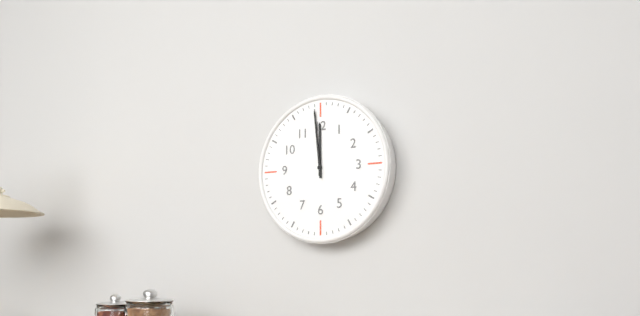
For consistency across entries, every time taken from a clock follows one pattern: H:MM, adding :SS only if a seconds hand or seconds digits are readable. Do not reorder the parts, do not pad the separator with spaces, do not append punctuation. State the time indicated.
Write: 11:59
